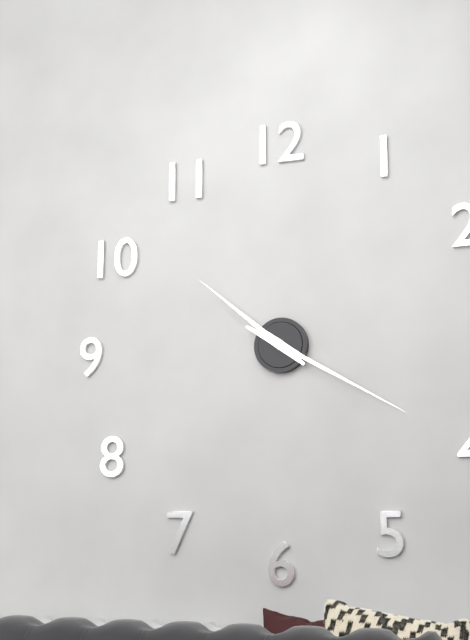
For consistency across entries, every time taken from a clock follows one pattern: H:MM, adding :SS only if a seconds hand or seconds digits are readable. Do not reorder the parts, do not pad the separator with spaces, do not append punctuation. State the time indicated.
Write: 10:20
